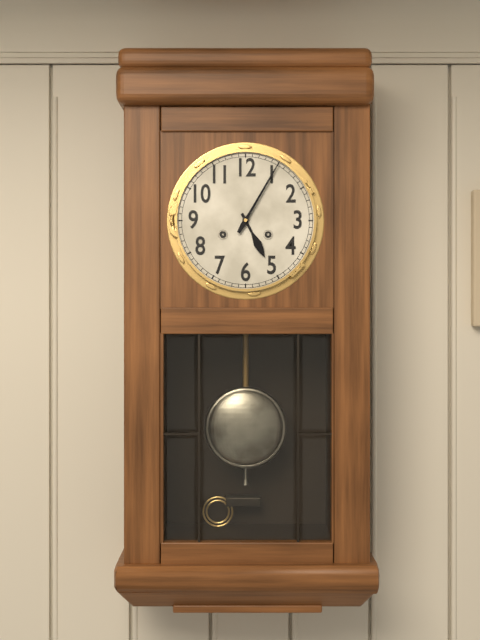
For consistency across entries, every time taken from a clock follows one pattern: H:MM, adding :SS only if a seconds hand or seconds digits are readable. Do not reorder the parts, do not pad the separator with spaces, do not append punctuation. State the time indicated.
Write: 5:05
